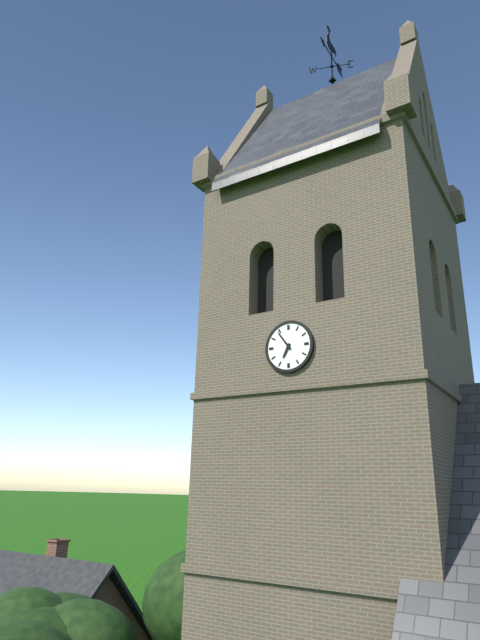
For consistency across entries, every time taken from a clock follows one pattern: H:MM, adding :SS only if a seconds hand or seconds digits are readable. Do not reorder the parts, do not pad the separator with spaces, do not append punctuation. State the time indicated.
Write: 6:54
